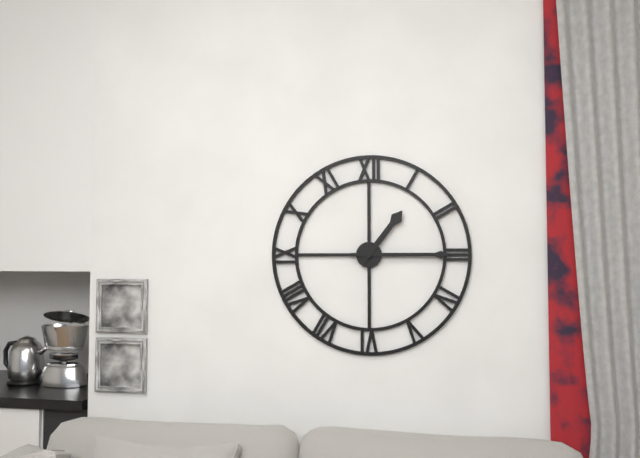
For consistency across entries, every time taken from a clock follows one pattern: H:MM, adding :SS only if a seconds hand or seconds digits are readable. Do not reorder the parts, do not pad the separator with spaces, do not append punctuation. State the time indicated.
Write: 1:15
